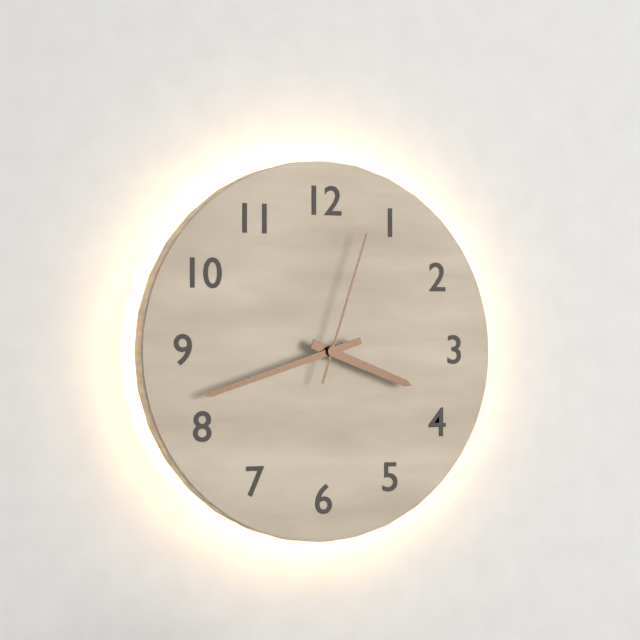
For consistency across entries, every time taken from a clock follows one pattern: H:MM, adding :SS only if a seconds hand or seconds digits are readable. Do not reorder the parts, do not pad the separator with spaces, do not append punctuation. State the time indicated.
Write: 3:42:03
